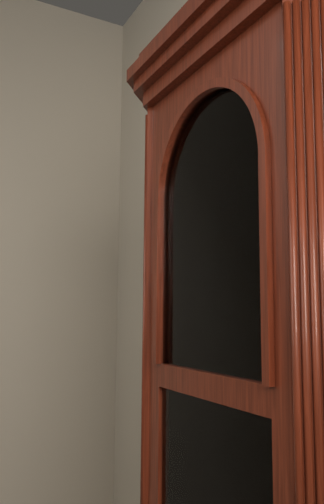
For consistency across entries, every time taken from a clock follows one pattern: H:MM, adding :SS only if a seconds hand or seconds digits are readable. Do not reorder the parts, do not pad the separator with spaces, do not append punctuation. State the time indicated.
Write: 8:52
